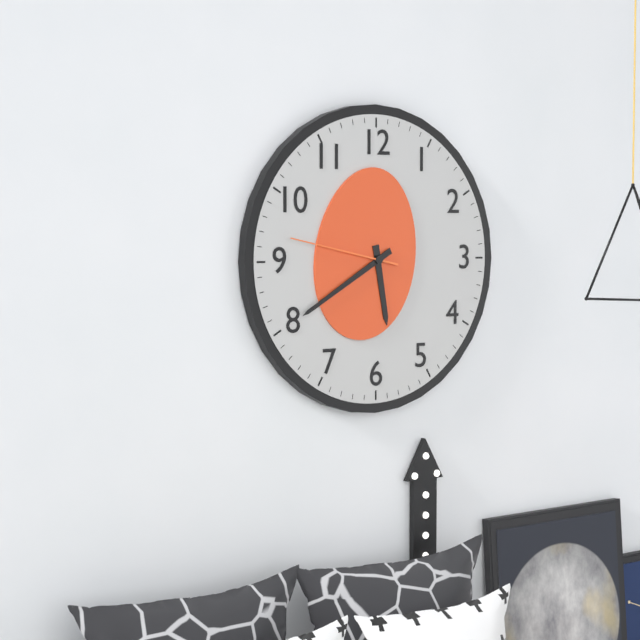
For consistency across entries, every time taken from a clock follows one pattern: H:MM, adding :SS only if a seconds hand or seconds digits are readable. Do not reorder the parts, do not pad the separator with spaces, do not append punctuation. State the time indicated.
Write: 5:40:47
